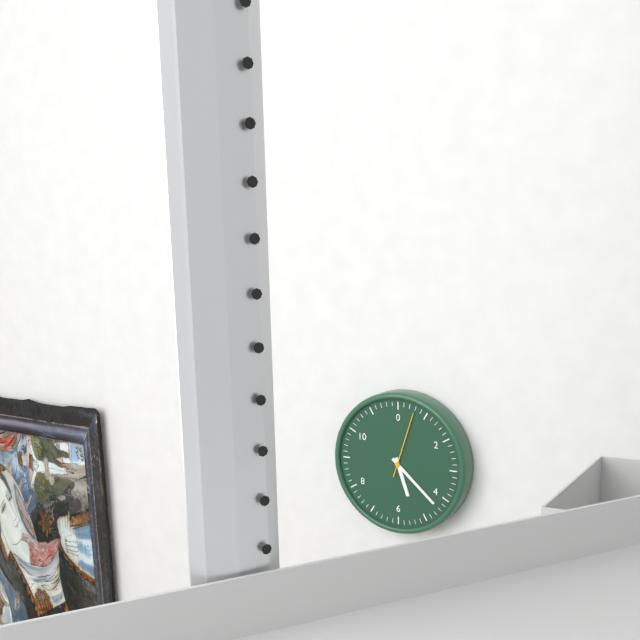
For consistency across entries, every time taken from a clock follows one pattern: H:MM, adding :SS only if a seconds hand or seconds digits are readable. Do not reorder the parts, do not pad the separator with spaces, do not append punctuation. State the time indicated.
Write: 5:22:03
